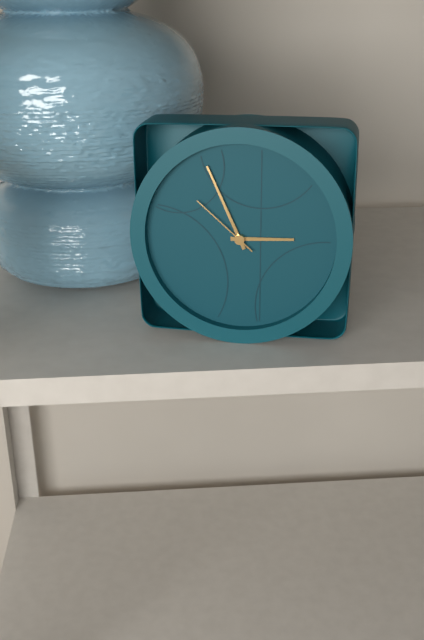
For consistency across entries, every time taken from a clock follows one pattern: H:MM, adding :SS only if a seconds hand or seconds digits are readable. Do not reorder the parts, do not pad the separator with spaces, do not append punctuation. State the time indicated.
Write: 2:56:52
